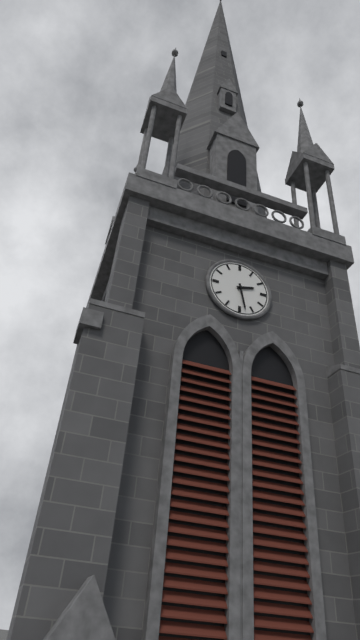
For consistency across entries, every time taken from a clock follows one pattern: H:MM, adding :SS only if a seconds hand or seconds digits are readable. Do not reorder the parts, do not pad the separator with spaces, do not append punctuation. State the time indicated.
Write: 2:28
